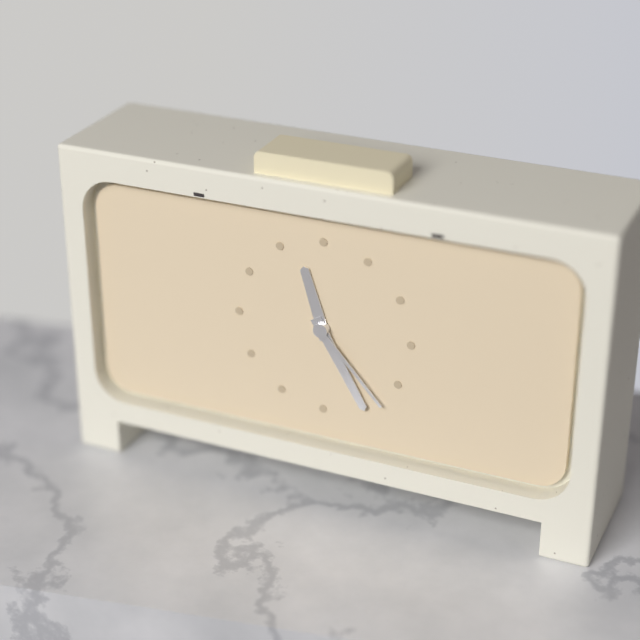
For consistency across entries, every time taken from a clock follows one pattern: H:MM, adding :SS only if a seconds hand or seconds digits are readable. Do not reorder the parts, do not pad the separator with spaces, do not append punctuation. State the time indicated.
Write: 11:25:23
